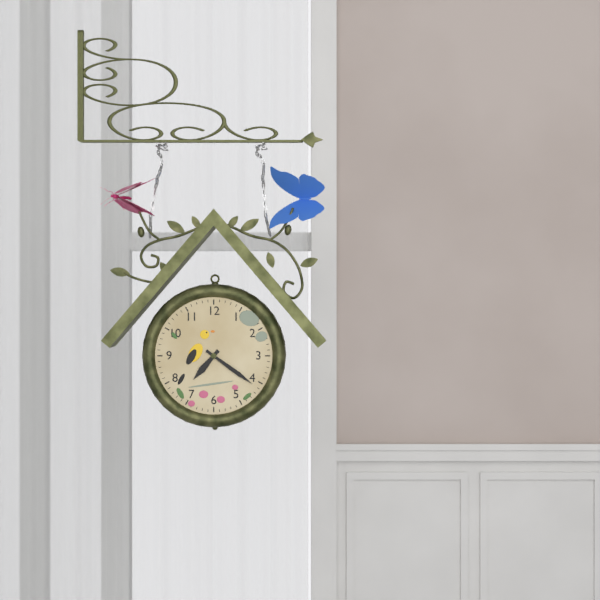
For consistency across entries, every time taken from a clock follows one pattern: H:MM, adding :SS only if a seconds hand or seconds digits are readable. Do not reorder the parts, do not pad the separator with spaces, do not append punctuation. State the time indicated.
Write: 7:21
